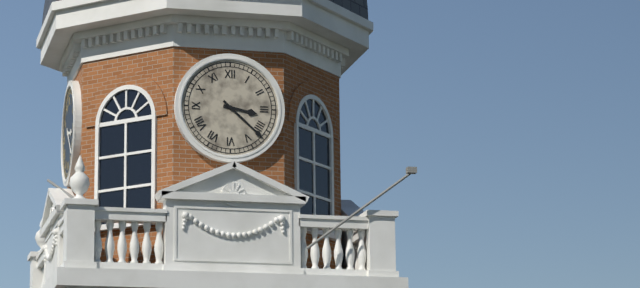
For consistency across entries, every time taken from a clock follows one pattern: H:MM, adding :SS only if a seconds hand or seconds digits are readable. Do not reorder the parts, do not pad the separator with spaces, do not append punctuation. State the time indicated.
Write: 3:22
